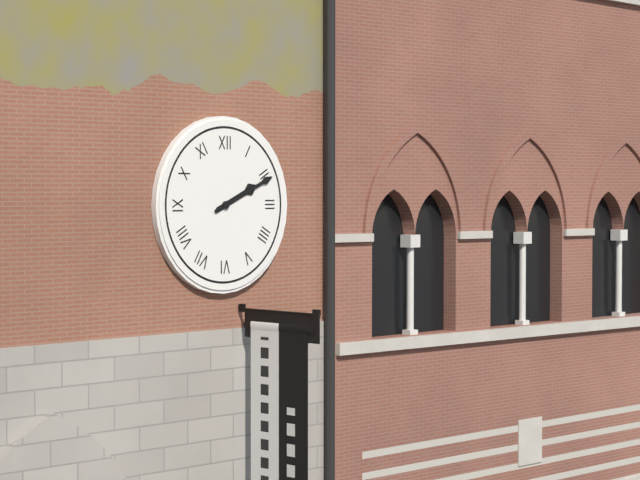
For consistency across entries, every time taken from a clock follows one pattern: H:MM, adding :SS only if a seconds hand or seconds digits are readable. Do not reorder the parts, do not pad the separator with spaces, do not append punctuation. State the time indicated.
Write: 2:11
